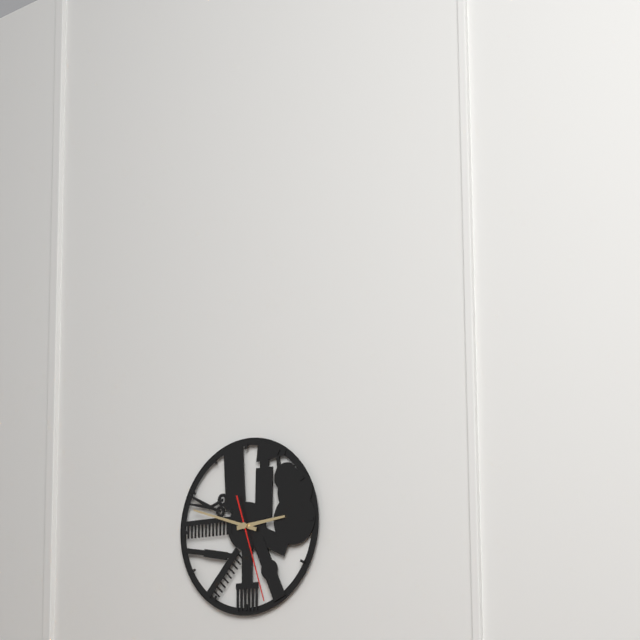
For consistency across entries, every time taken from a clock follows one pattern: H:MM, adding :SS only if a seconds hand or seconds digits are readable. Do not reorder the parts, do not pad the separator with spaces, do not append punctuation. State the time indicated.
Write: 2:48:27
